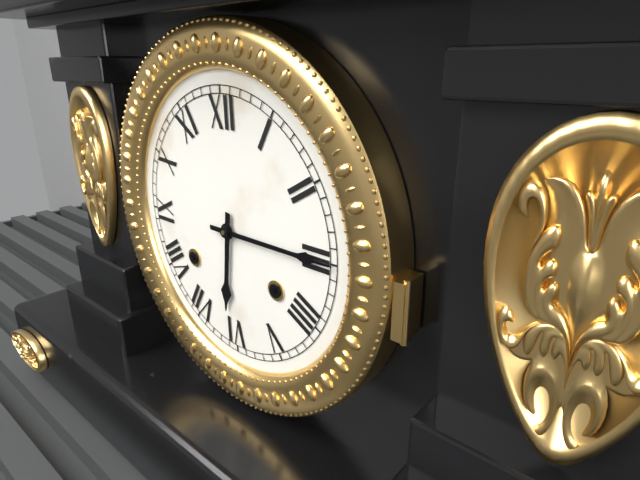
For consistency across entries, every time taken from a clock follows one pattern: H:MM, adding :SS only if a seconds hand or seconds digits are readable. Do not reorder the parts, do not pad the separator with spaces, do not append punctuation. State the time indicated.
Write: 6:15
